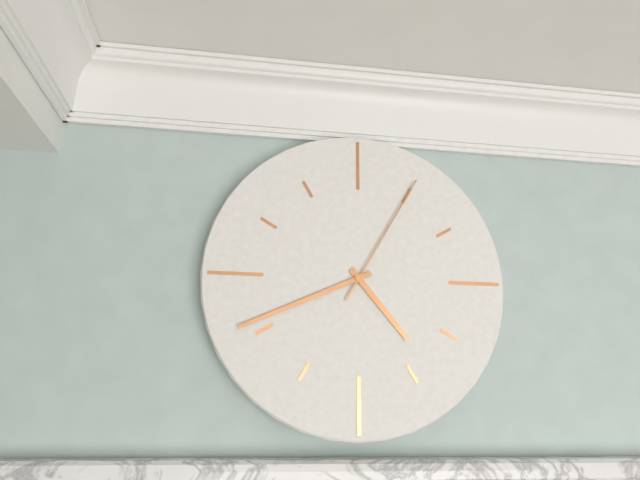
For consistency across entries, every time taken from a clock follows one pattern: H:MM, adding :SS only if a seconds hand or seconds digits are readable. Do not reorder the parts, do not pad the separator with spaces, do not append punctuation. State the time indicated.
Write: 4:41:05
